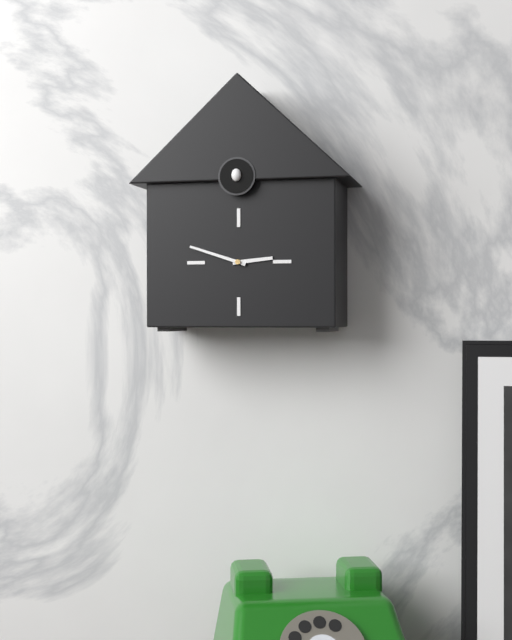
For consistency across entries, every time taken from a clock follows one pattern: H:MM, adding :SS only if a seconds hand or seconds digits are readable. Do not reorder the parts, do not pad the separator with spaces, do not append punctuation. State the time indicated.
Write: 2:48
